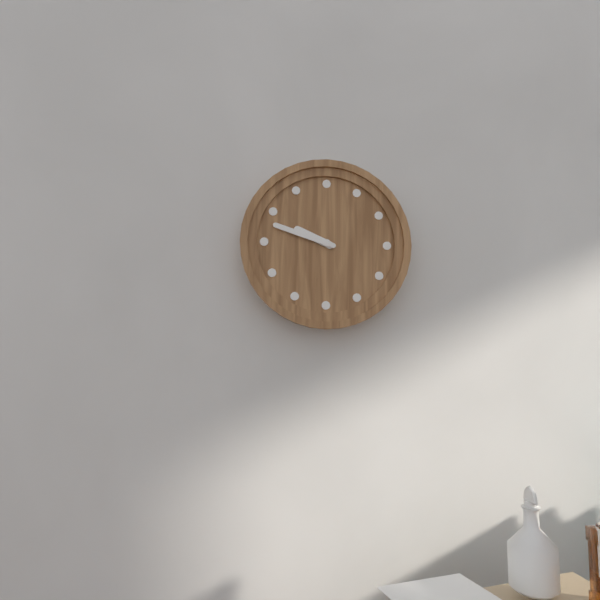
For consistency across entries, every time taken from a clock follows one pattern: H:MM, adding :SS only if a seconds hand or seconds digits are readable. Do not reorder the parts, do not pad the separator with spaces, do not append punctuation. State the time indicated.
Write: 9:48
